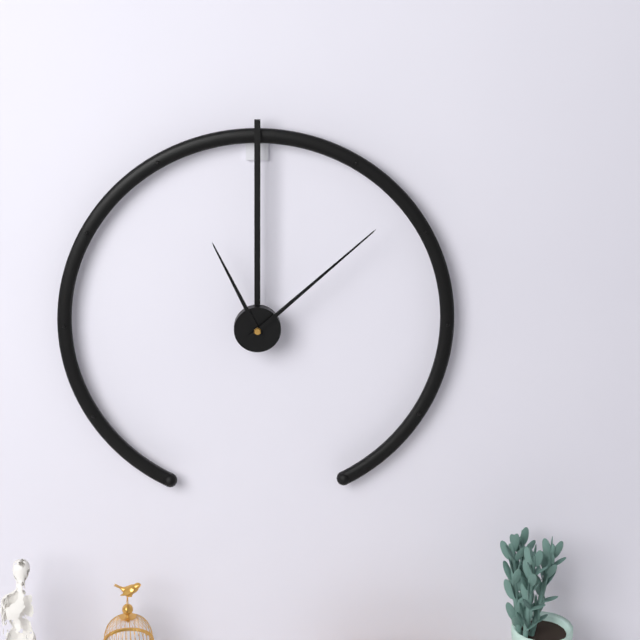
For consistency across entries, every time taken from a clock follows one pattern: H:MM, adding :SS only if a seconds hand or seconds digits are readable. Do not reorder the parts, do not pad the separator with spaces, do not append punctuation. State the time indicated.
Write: 11:08
